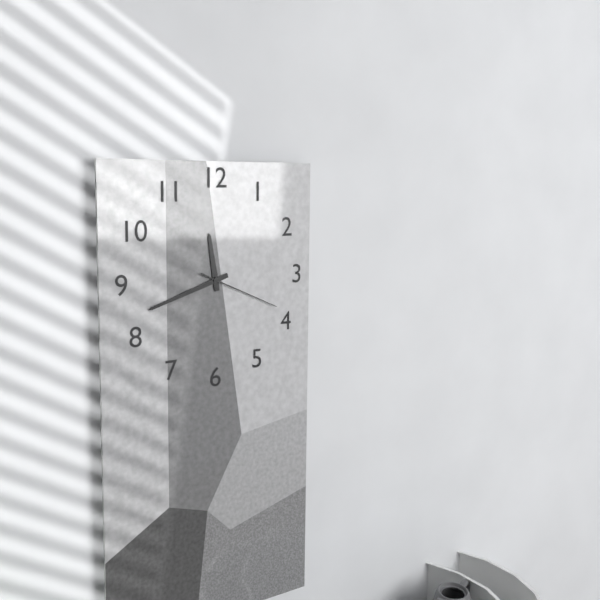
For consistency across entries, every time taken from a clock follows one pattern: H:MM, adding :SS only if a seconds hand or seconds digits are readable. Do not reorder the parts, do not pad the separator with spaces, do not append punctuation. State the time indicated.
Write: 11:42:19
